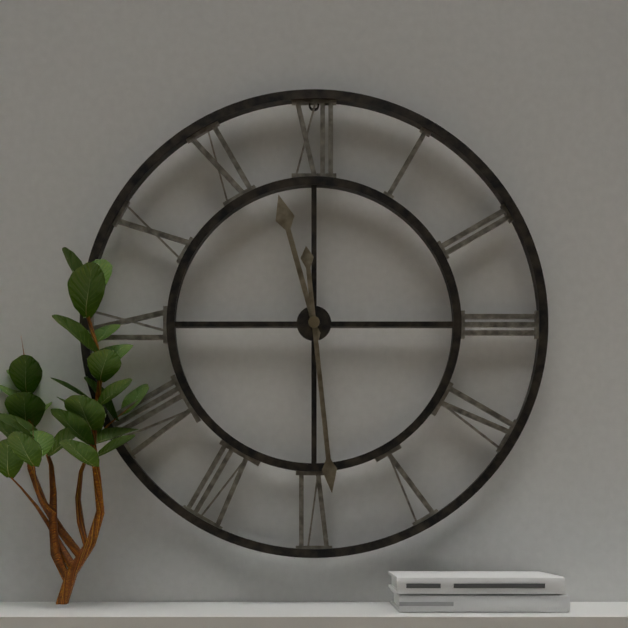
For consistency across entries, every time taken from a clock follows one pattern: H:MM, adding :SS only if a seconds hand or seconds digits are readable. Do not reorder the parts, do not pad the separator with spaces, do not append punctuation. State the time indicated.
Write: 11:29
